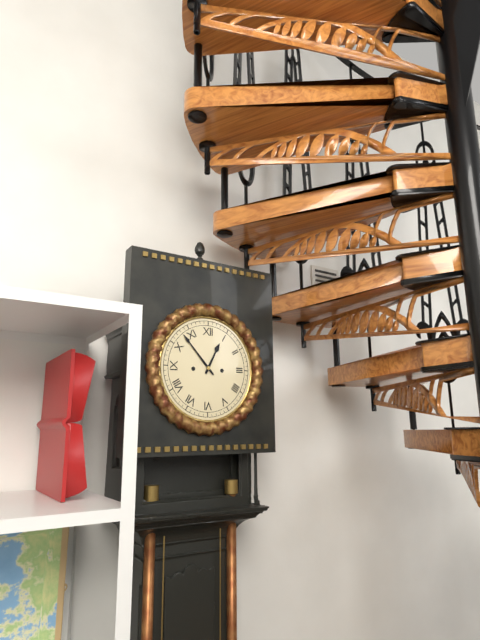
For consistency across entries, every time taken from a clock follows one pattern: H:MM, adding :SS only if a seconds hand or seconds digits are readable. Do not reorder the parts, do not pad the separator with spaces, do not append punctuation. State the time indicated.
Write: 12:53
